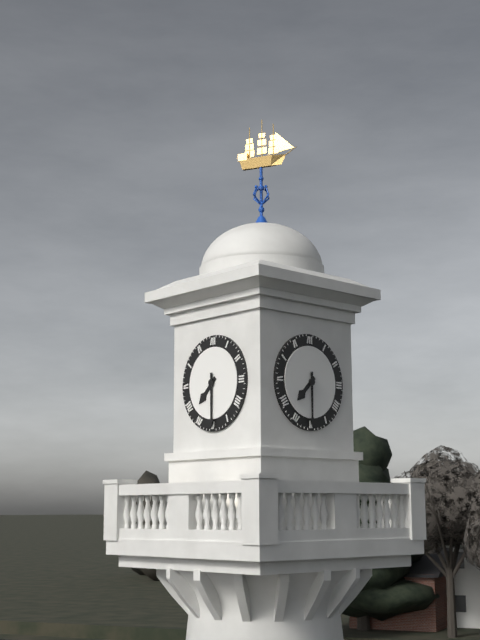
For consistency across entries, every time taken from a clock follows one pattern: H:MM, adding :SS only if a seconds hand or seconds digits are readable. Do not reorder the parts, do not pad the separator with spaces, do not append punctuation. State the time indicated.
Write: 7:30
